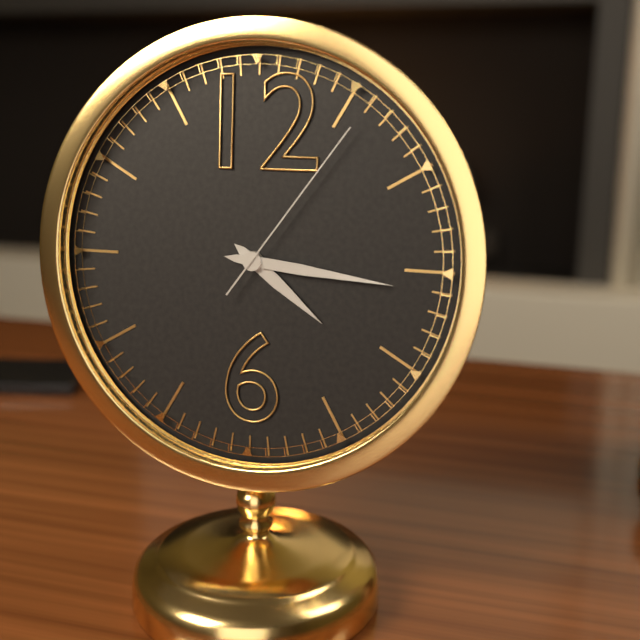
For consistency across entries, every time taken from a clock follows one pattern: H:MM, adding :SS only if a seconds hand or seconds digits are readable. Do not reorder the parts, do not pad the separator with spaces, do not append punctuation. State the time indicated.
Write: 4:16:06
